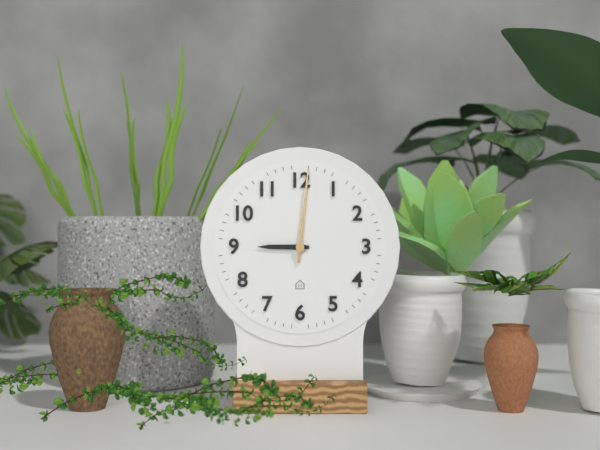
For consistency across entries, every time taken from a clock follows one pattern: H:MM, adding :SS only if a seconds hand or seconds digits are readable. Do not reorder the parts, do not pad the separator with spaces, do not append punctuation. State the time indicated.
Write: 9:01
